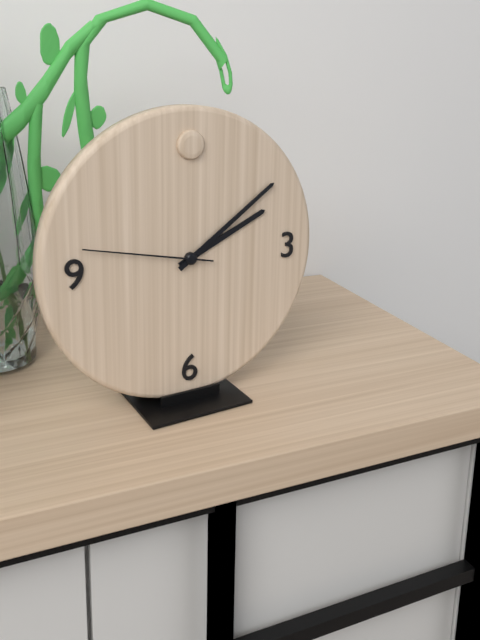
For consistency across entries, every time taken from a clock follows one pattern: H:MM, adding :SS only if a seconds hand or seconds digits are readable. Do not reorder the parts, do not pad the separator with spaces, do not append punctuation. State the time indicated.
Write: 2:09:47
